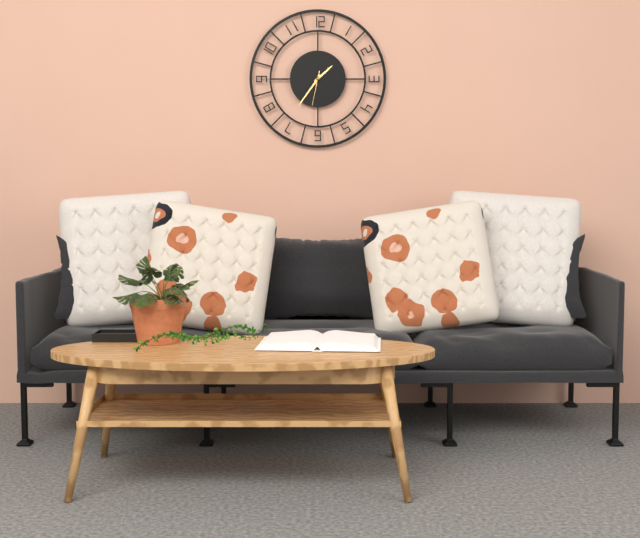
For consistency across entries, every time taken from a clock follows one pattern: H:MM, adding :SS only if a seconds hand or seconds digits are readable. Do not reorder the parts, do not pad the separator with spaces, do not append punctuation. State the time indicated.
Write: 1:36
